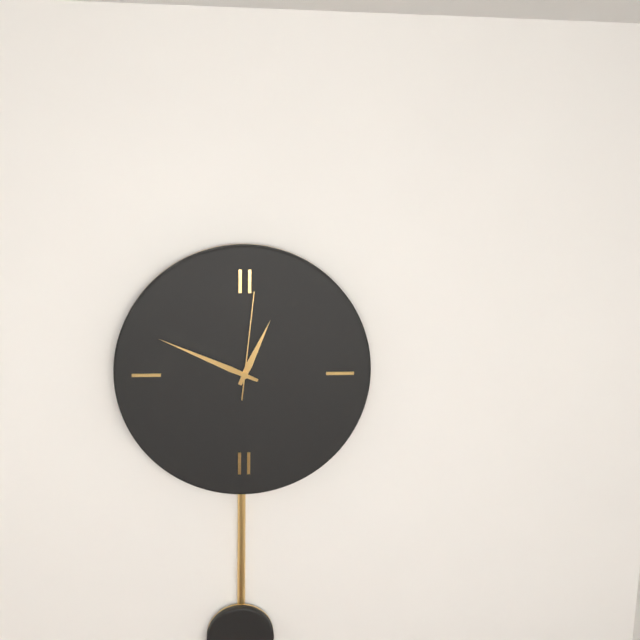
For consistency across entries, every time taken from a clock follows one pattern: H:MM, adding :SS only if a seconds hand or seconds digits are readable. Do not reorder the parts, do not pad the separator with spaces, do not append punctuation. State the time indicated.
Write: 12:49:01
